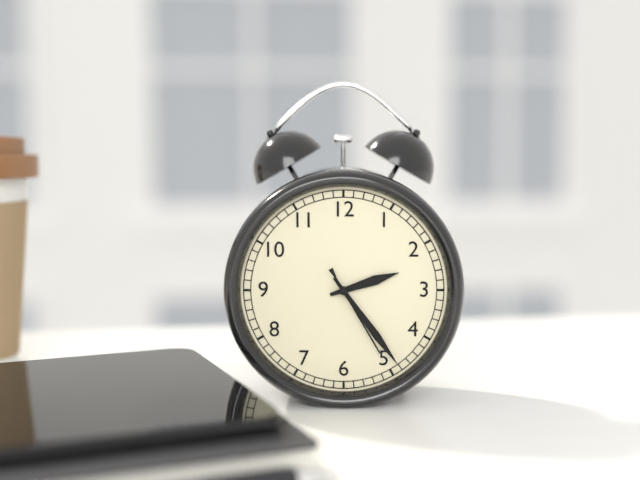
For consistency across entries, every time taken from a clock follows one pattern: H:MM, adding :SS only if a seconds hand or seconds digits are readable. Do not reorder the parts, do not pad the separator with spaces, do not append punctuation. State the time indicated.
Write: 2:24:25
